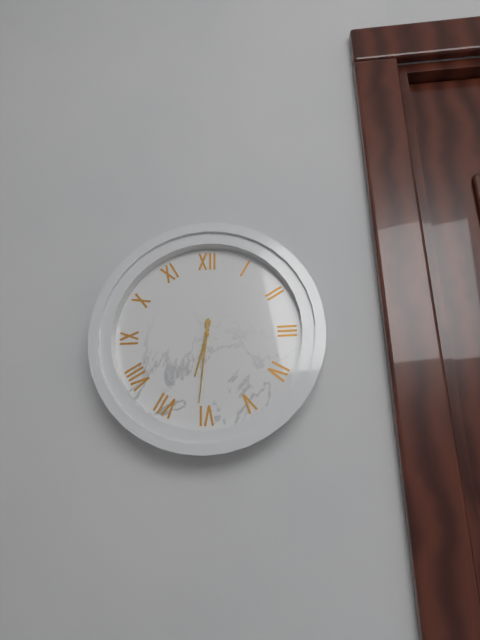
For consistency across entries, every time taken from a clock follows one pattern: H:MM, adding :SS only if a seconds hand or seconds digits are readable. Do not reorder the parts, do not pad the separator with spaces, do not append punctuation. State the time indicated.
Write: 6:31
